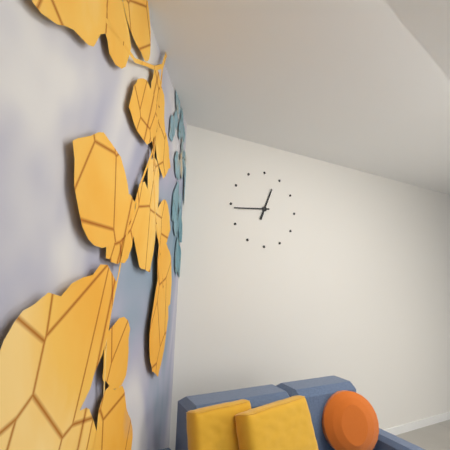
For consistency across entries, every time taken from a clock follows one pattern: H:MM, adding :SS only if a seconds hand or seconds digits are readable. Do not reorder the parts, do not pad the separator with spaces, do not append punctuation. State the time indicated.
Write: 12:44
